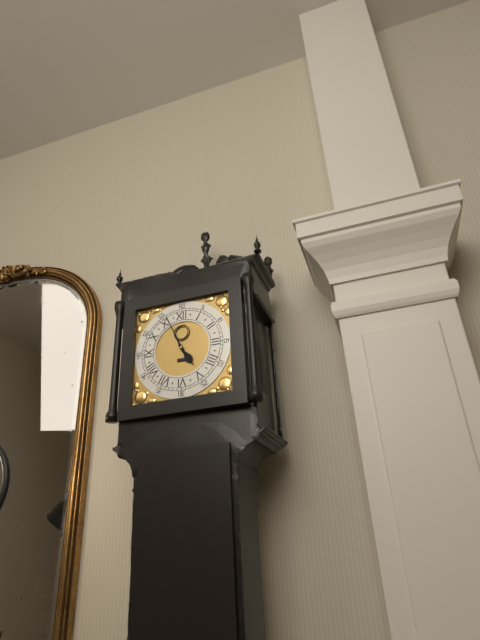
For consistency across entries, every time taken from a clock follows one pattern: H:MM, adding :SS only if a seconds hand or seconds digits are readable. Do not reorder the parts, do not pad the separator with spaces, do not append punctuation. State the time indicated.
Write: 4:56
